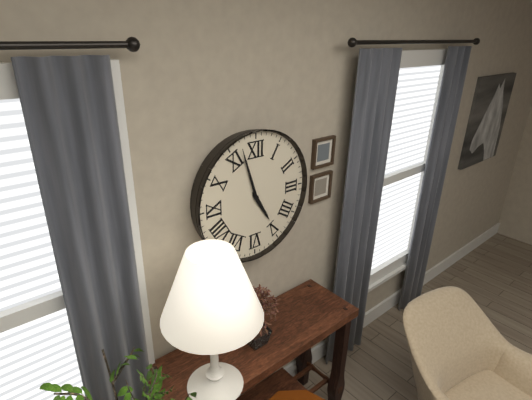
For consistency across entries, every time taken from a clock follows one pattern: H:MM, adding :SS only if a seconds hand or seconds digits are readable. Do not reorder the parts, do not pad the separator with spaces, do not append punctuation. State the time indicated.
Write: 4:57
